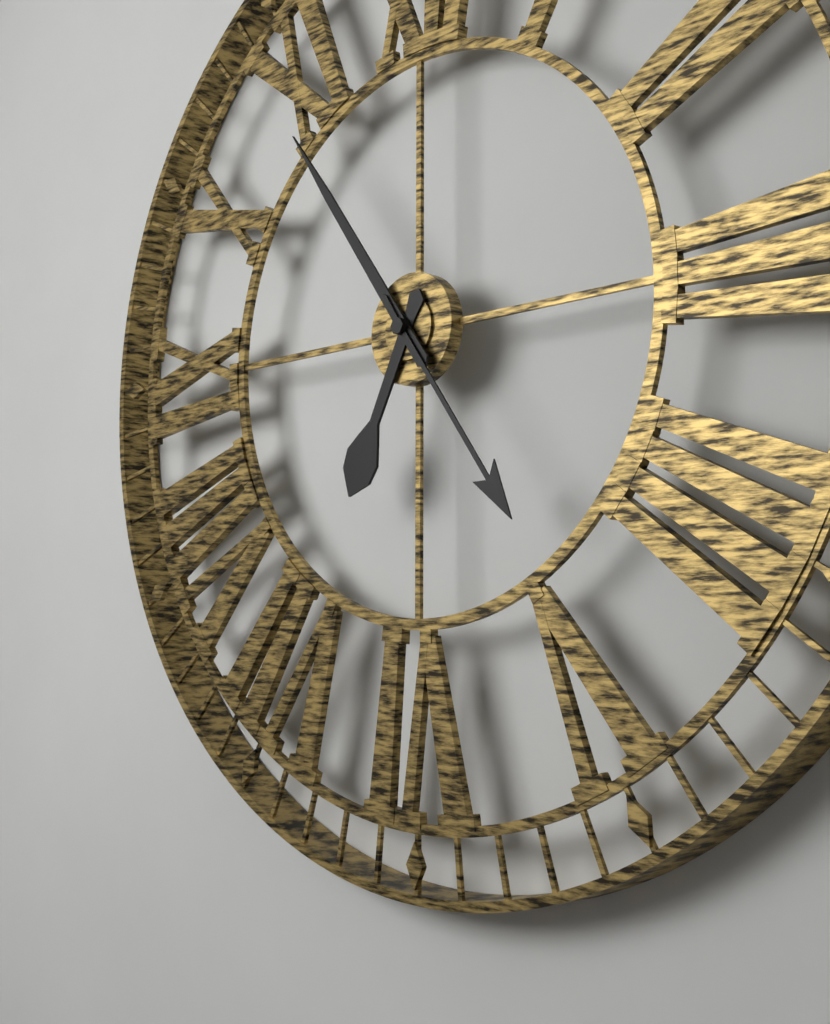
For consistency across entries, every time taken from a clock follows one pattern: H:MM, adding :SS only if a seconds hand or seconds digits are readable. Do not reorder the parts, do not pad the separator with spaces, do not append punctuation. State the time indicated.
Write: 6:54:24
